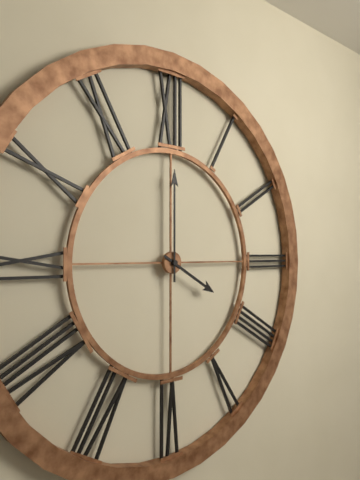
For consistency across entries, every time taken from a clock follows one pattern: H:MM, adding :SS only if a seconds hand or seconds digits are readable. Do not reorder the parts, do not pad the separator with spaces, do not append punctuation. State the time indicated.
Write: 4:00
